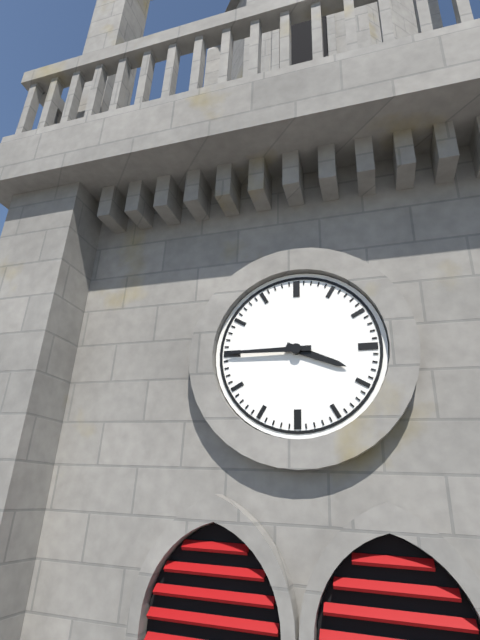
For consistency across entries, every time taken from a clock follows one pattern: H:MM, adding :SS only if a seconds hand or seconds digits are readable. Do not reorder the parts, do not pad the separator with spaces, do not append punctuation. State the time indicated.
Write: 3:45
